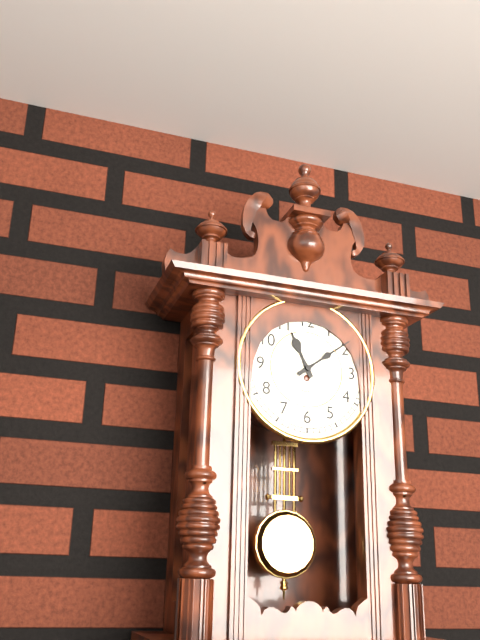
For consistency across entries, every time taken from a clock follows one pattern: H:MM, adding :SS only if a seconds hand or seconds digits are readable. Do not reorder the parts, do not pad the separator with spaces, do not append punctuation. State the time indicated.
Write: 11:09
